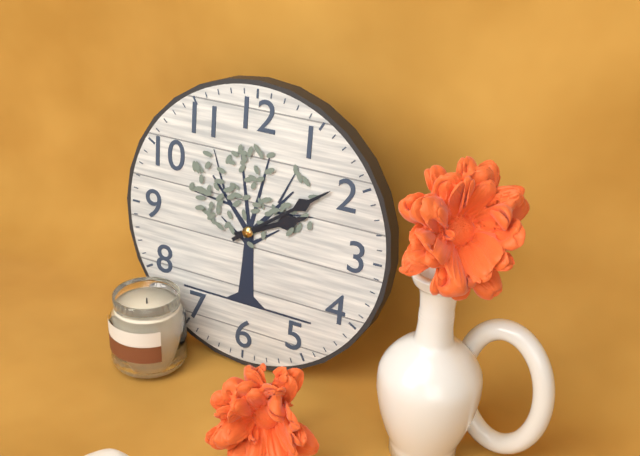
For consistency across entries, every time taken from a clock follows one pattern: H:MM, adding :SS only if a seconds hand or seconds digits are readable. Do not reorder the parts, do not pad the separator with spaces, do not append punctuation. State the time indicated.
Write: 2:09
